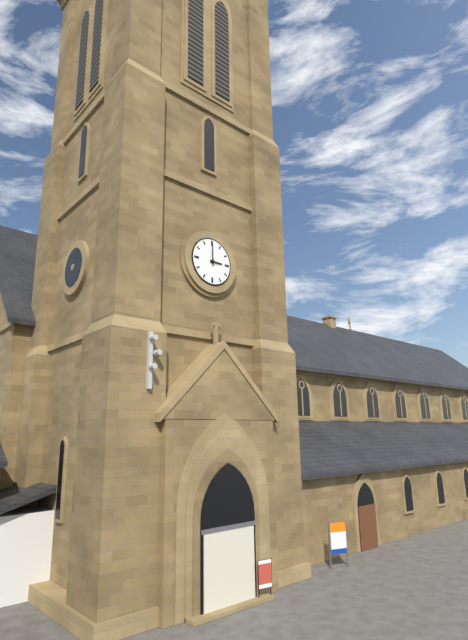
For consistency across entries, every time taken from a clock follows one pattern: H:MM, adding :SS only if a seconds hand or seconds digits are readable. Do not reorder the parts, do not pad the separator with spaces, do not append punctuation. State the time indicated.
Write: 3:00
